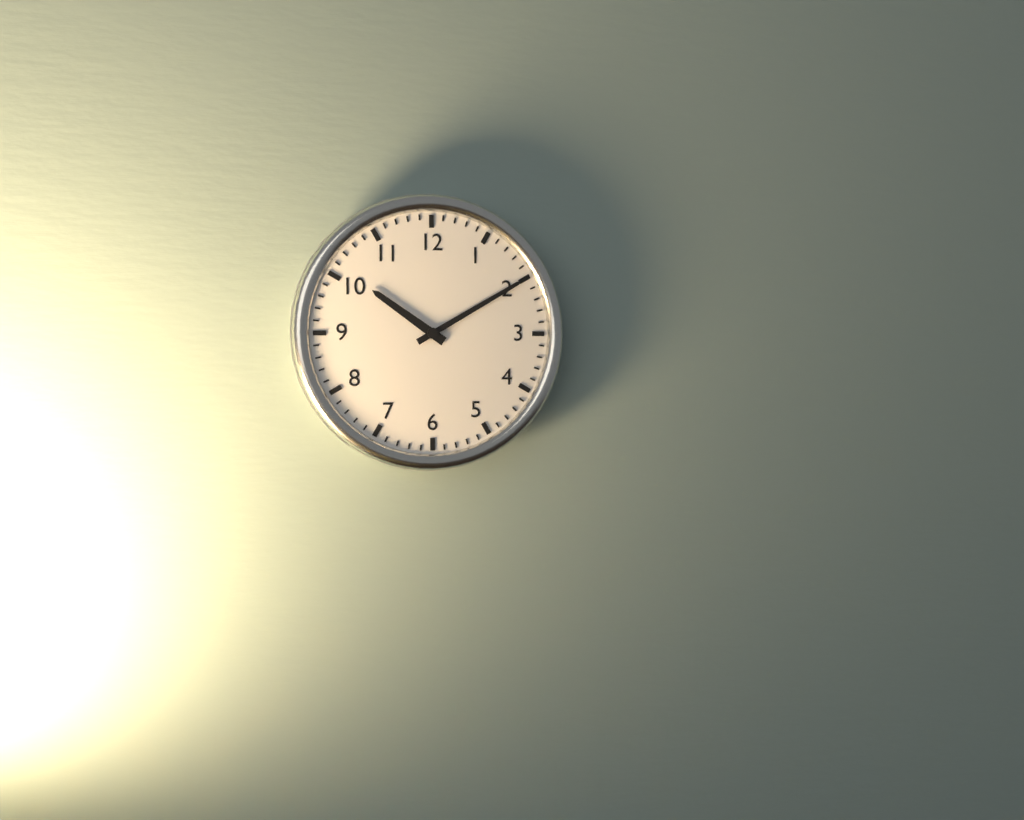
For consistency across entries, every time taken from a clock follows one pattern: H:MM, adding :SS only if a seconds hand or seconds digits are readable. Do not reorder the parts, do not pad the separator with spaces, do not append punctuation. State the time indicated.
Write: 10:10
